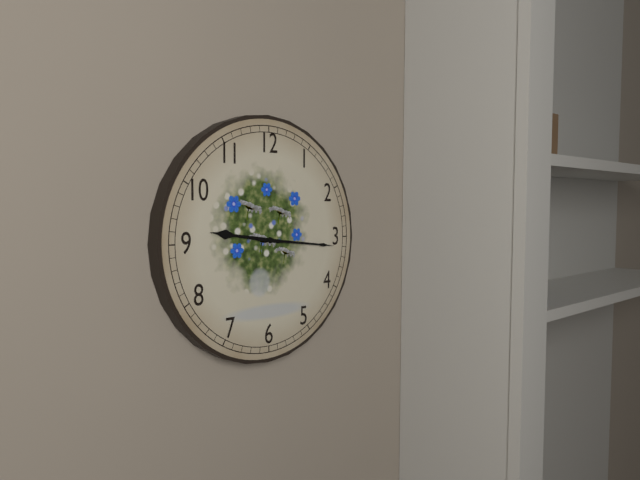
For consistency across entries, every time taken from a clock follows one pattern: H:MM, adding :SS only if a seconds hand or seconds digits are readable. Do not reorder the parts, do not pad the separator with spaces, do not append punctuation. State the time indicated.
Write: 9:16
